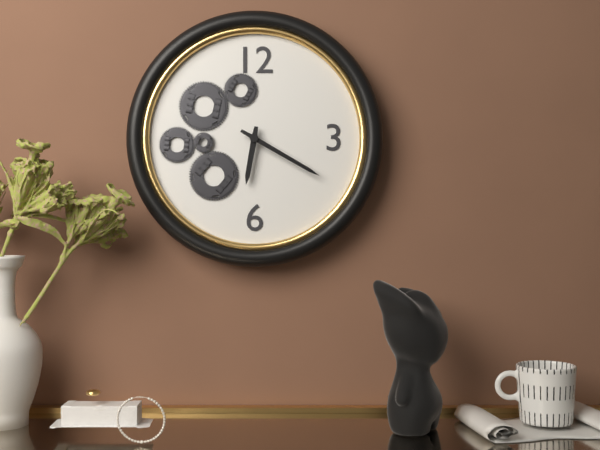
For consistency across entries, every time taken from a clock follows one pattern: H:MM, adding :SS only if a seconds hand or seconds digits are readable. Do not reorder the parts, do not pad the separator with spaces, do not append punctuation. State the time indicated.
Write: 6:20
